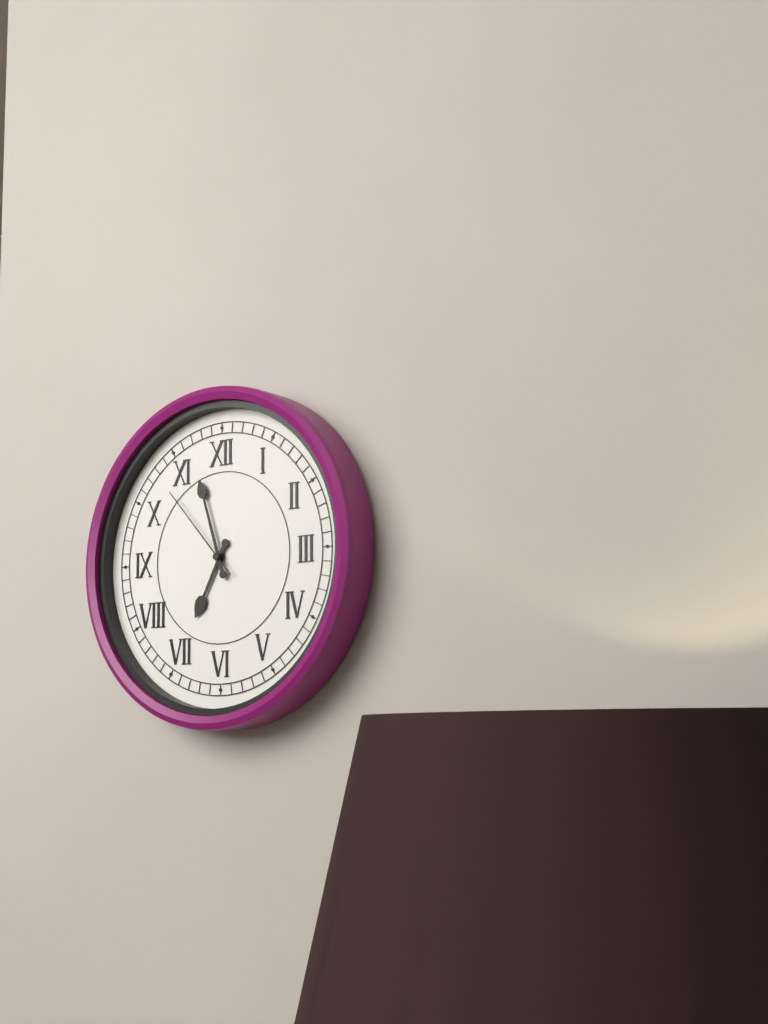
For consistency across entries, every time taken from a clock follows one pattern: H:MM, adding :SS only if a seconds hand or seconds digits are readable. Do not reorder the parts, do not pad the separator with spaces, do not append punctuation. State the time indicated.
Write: 6:57:53
